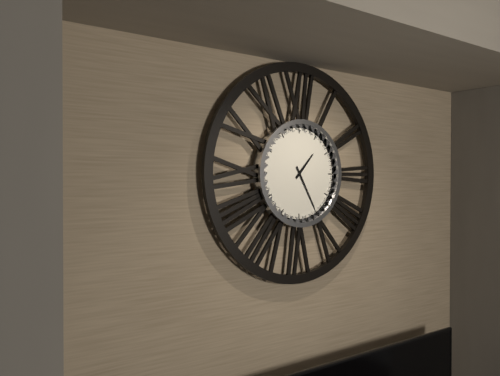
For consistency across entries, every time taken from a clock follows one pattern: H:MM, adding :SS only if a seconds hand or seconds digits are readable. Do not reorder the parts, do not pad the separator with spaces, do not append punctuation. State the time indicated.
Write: 1:25
